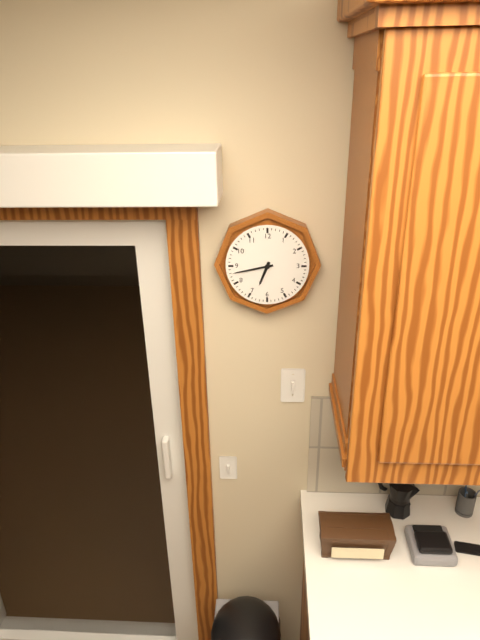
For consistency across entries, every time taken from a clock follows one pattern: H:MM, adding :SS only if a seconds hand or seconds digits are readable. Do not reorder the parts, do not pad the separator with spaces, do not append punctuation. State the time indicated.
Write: 6:43
